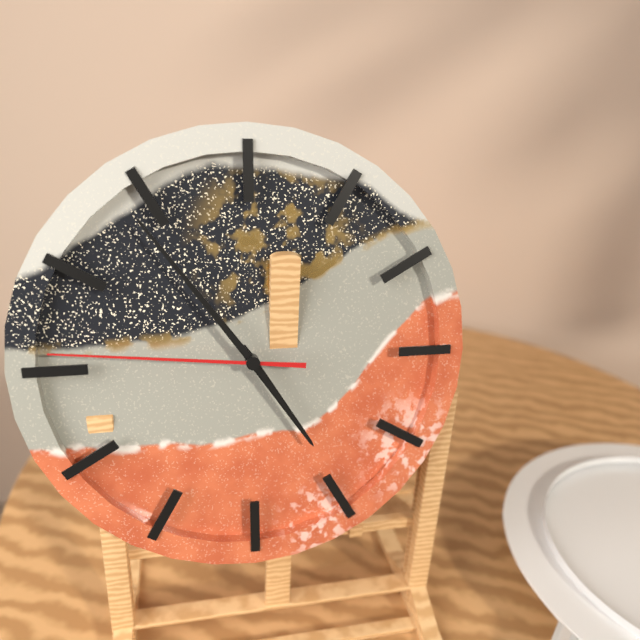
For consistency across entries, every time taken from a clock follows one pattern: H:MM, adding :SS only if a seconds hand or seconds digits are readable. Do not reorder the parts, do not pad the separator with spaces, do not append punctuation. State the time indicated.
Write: 4:54:46
